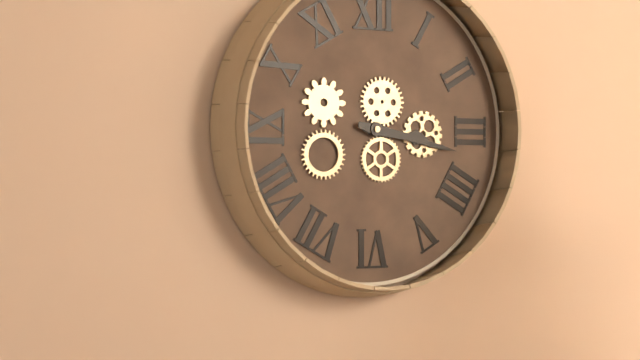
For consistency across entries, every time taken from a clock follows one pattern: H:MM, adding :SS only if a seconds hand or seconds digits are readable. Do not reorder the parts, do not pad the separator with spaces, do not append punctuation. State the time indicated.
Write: 3:17
